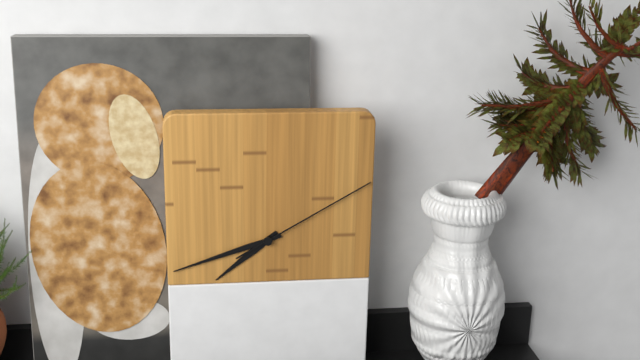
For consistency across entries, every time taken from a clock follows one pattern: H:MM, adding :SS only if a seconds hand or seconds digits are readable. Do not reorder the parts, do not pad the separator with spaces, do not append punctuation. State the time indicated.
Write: 7:42:10
